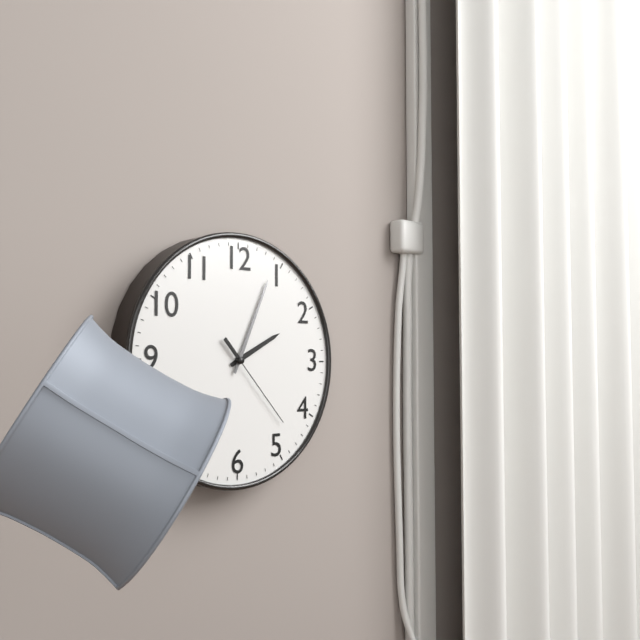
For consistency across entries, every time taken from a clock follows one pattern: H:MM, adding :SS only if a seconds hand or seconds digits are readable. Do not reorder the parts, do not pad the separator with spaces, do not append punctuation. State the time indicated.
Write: 2:04:23
